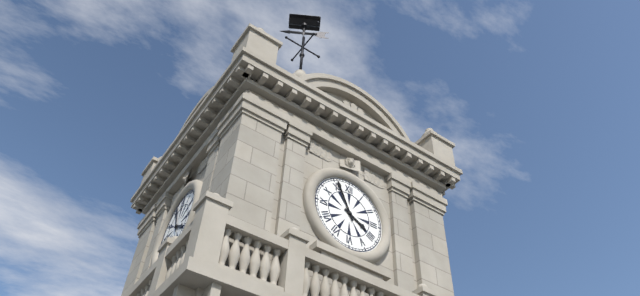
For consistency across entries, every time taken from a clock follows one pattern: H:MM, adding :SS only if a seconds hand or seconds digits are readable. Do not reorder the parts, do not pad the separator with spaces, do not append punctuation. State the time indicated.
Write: 3:56
